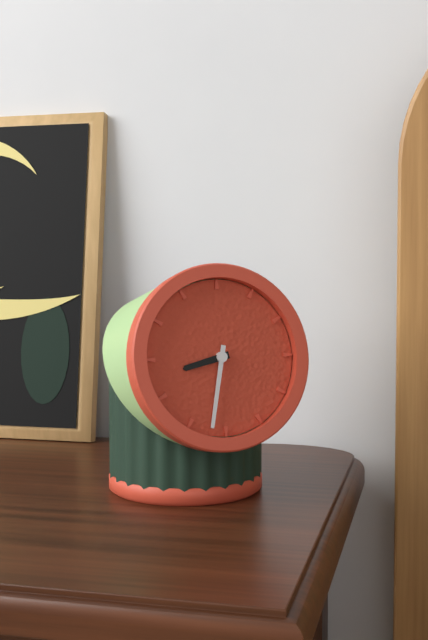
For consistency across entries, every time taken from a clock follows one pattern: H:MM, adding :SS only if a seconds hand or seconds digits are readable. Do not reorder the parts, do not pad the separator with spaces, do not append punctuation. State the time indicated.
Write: 8:32
